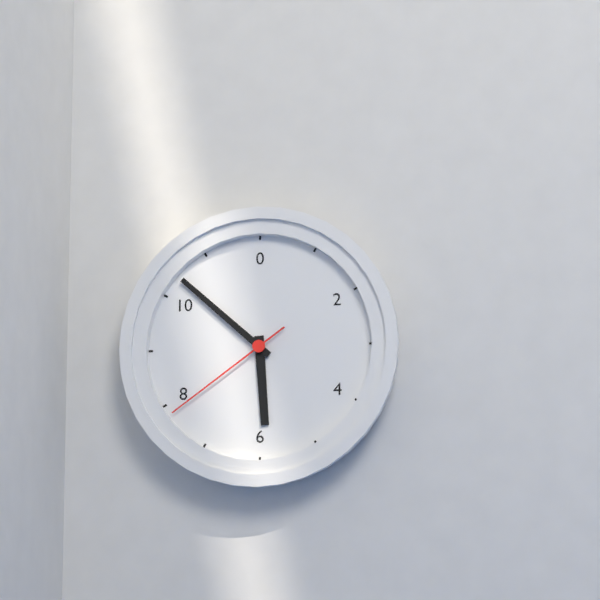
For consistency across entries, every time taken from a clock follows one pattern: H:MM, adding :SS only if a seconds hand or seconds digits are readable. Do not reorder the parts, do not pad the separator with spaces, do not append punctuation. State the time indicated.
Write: 5:52:39
